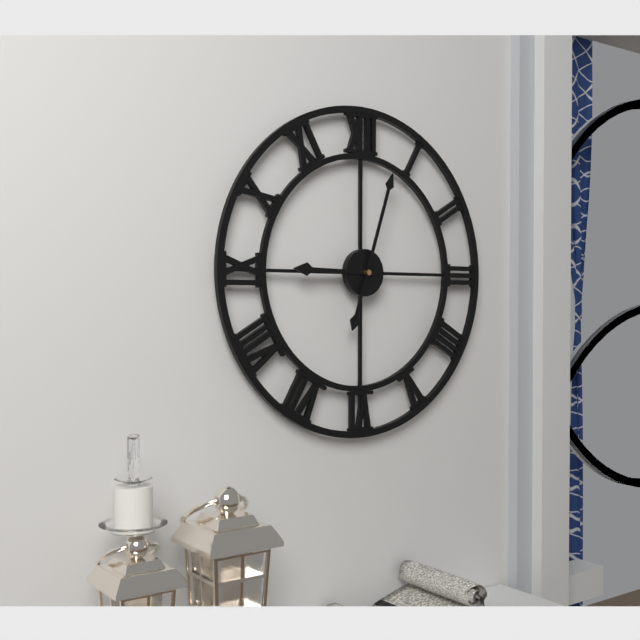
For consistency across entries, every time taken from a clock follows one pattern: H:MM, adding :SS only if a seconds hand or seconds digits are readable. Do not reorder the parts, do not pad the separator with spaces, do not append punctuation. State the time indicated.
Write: 9:03
